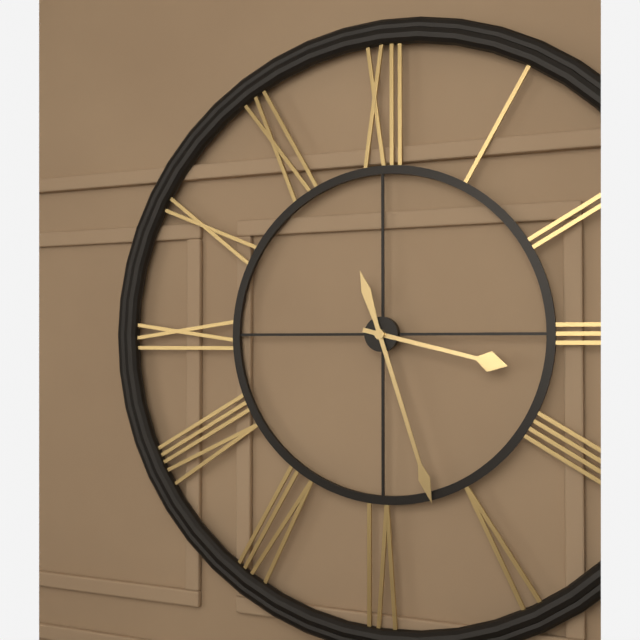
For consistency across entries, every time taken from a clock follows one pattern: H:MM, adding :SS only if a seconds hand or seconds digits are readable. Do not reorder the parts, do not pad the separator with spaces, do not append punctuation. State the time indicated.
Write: 3:27
